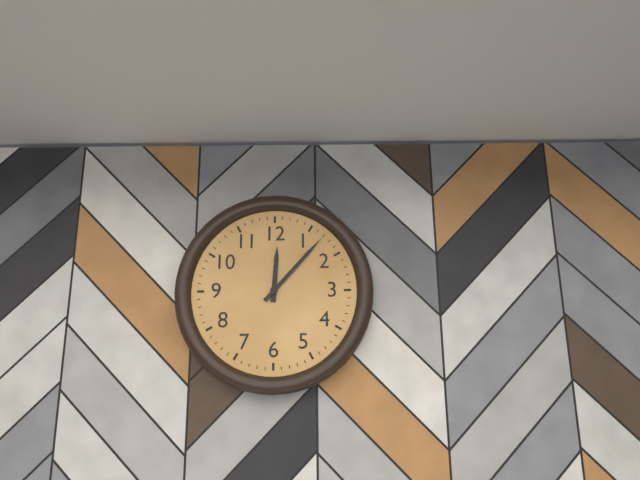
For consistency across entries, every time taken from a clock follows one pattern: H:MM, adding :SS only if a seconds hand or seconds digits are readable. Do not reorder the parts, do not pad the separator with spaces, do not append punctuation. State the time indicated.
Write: 12:07
